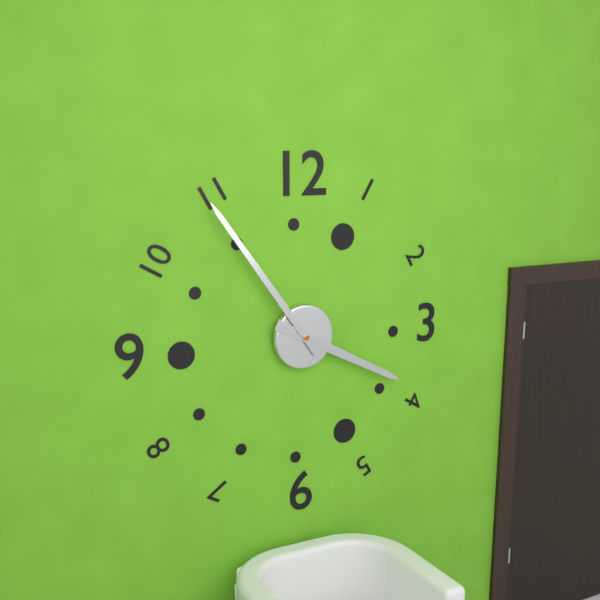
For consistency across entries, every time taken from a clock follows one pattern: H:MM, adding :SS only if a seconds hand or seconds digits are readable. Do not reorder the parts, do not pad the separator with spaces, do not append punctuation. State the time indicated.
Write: 3:54
